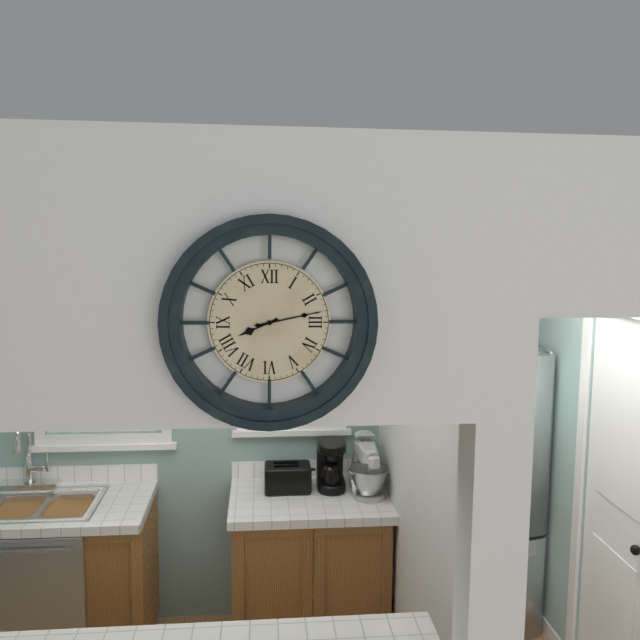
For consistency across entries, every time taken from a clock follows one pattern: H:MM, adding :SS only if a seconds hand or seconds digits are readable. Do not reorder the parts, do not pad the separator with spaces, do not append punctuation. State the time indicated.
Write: 8:13
